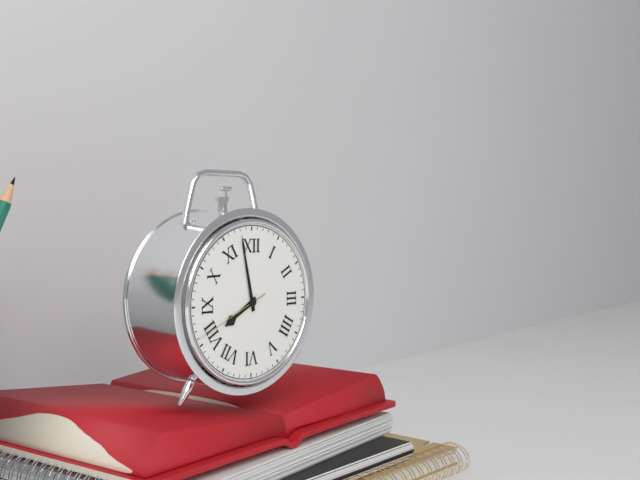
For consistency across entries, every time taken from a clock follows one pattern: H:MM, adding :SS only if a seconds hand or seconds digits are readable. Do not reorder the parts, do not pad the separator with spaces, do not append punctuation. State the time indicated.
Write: 7:58:41
